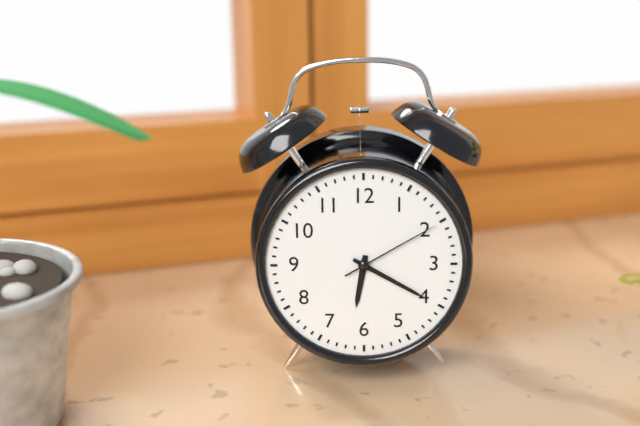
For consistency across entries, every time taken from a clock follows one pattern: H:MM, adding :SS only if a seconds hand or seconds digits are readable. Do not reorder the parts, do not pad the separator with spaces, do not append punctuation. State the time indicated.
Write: 6:20:10
